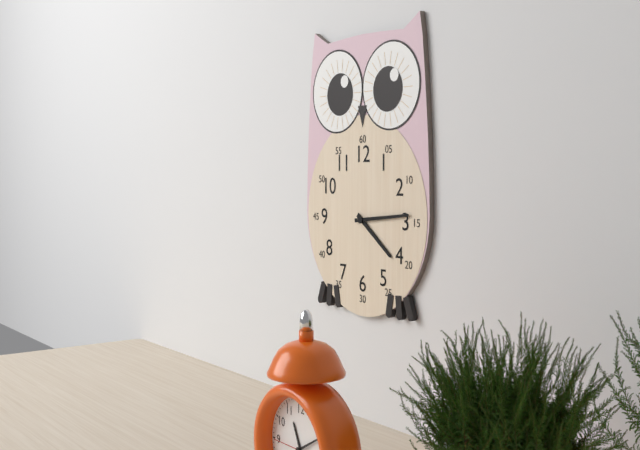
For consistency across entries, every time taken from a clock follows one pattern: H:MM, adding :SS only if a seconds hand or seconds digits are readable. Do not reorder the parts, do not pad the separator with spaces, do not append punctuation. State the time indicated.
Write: 4:14
